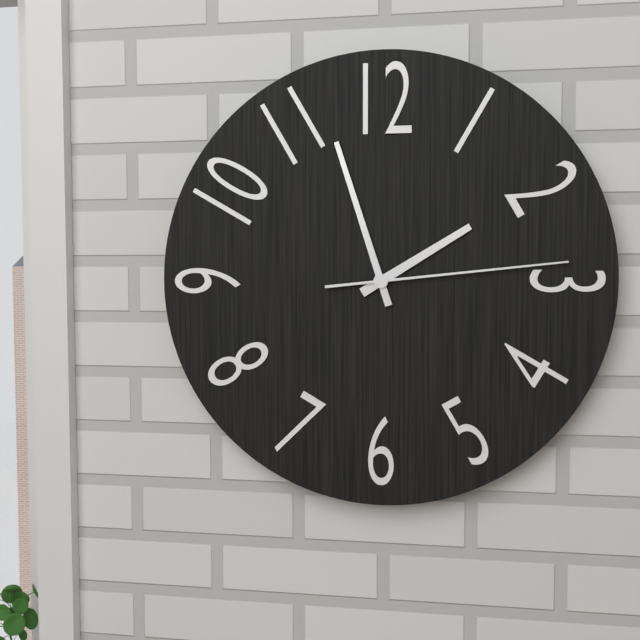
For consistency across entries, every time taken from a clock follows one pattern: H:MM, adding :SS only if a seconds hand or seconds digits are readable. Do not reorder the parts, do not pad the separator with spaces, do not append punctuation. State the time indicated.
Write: 1:57:14
